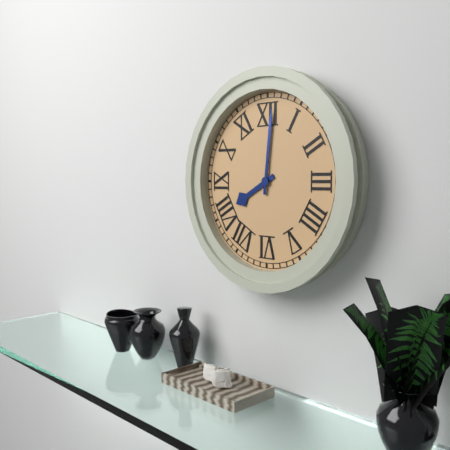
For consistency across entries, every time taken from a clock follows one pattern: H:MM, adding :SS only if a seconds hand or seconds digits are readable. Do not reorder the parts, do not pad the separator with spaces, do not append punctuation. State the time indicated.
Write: 8:01
